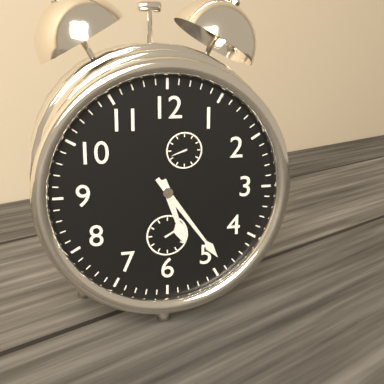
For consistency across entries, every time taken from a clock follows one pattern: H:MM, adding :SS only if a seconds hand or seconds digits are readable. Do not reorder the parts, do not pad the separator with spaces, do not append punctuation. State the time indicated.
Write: 5:24
